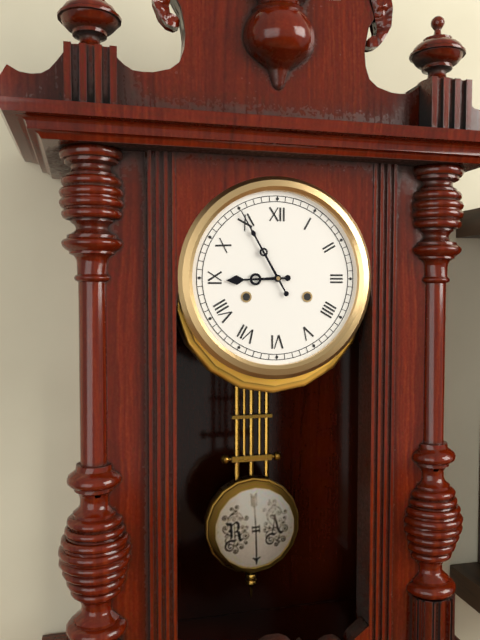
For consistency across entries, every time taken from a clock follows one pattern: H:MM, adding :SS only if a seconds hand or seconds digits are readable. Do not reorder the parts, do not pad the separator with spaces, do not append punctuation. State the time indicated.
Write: 8:55
